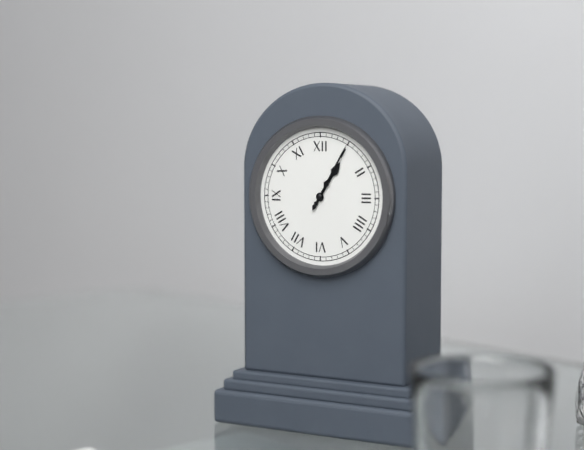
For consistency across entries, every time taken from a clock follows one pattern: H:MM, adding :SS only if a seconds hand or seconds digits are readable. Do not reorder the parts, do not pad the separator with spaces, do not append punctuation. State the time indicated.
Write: 1:05
